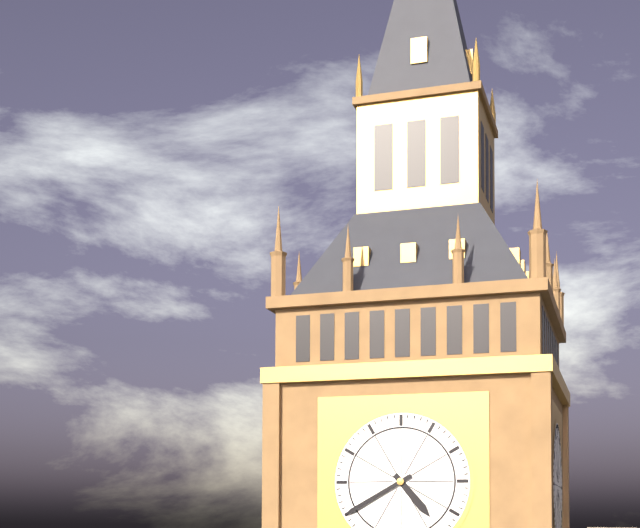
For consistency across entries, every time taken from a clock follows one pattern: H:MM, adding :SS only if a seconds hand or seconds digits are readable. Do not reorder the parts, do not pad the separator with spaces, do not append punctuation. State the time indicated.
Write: 4:40
